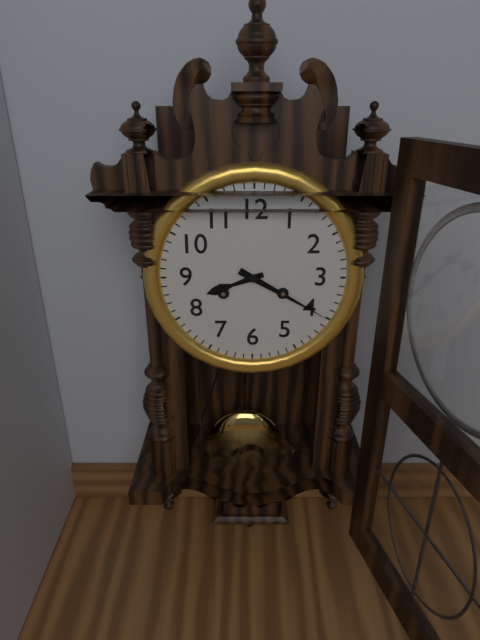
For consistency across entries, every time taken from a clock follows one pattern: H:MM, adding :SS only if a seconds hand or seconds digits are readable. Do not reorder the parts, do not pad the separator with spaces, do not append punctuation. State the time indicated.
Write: 8:20
